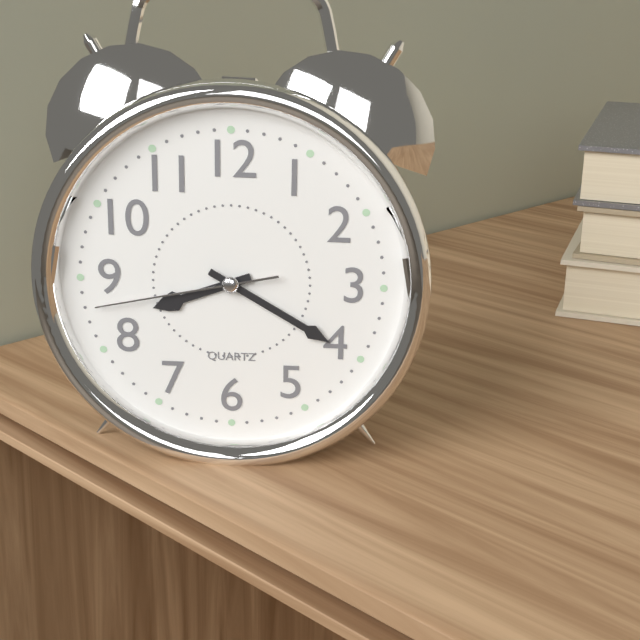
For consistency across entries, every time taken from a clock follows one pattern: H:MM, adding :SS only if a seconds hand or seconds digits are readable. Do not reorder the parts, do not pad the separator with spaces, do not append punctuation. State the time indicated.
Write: 8:20:43
